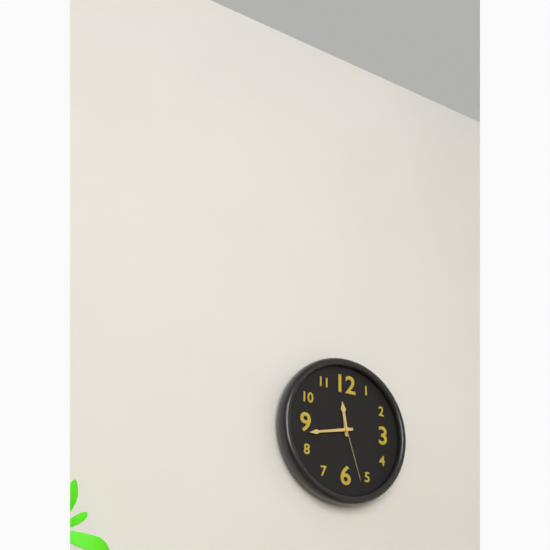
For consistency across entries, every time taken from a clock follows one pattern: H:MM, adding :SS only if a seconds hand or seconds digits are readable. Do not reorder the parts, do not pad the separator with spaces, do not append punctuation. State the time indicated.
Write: 11:43:27
